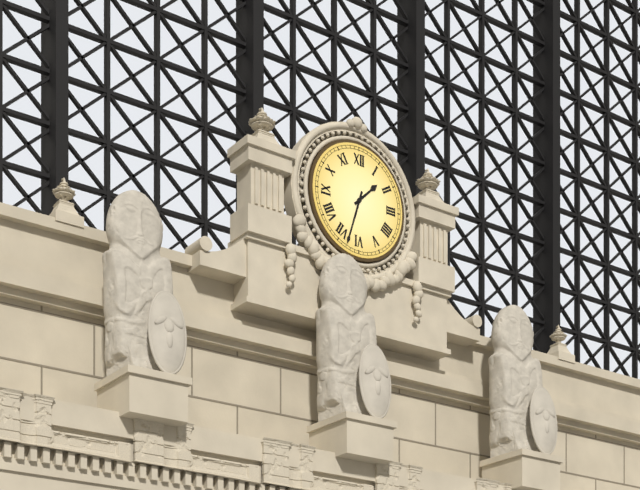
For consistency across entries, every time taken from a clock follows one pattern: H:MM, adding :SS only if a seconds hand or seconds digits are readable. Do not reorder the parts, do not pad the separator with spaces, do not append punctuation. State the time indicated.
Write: 1:33
